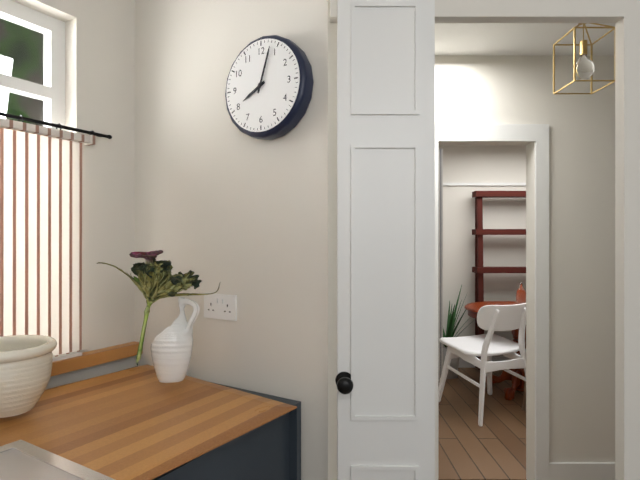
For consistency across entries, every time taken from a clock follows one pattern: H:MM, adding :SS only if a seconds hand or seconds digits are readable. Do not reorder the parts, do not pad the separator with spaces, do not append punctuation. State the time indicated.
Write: 8:03
